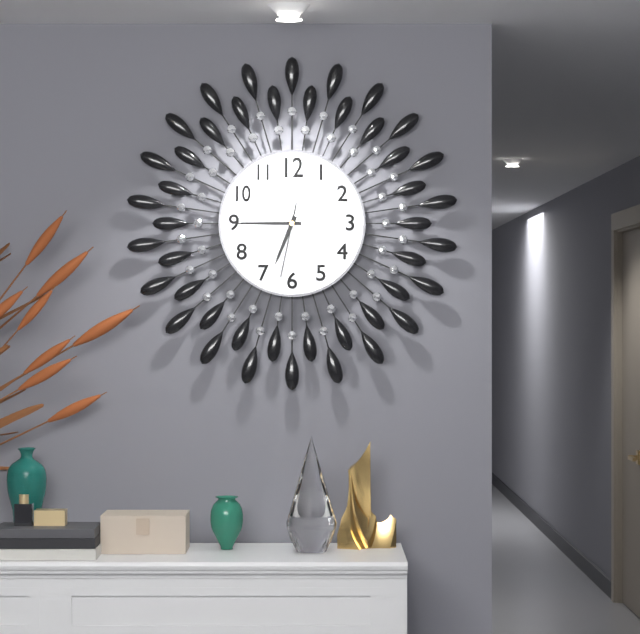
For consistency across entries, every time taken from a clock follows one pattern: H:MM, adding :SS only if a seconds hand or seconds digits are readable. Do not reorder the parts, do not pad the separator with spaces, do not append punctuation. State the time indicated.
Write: 6:45:32
